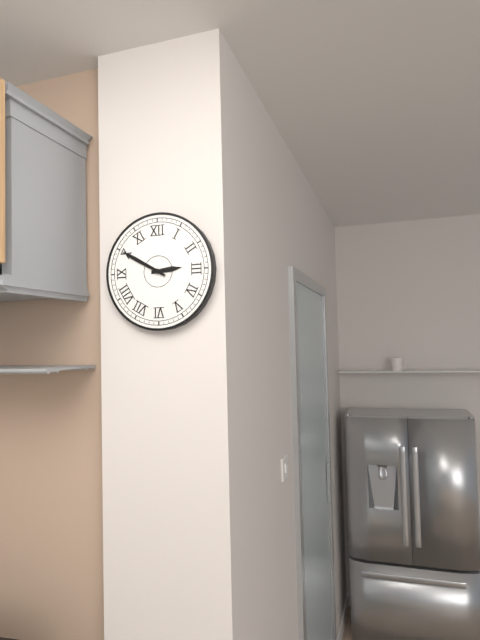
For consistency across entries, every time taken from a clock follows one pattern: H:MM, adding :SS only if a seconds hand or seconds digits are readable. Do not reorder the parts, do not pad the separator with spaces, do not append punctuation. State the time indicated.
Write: 2:50
